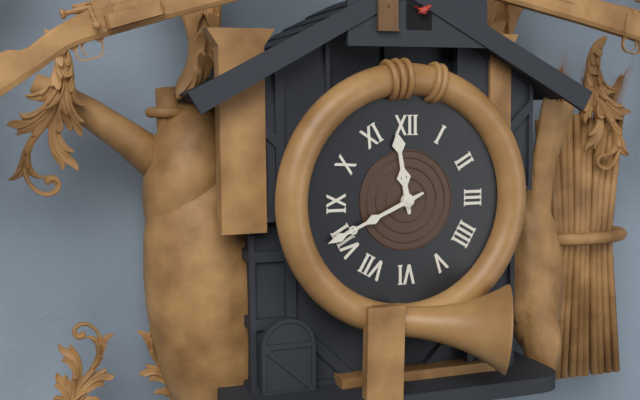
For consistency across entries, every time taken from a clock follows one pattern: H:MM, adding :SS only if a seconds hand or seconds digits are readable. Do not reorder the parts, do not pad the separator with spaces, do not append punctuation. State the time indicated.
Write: 11:41
